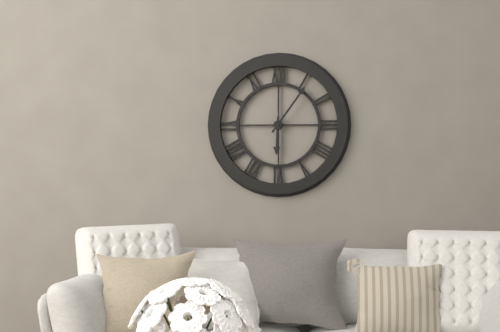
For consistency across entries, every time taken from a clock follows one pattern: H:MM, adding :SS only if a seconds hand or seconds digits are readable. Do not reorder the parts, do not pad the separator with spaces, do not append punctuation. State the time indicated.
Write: 6:06
